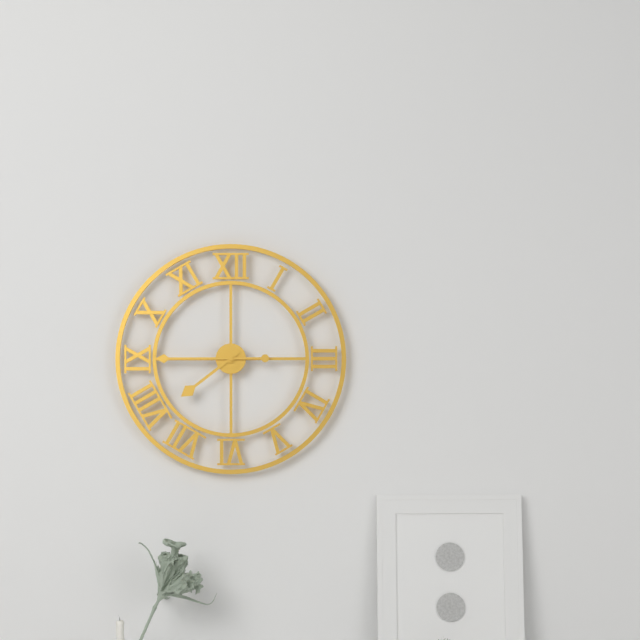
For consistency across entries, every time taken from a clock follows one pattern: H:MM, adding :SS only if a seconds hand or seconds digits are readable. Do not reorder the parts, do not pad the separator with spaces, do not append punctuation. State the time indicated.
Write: 7:45
